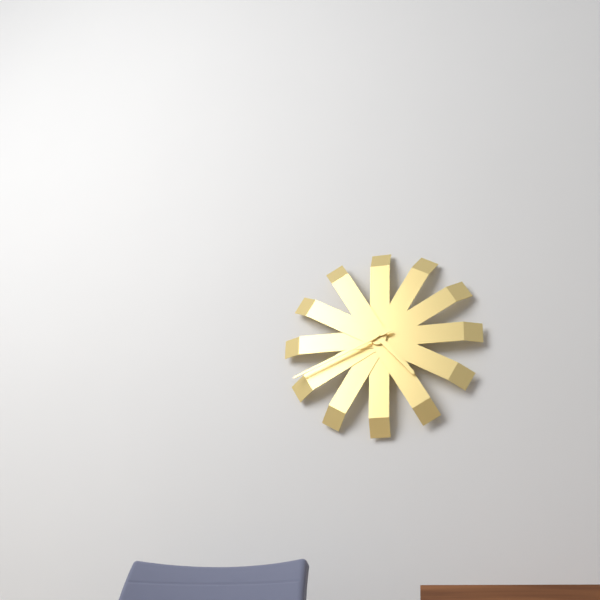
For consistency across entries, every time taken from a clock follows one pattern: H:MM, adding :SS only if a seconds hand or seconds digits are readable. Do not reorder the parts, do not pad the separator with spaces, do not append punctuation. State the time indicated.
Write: 4:41
